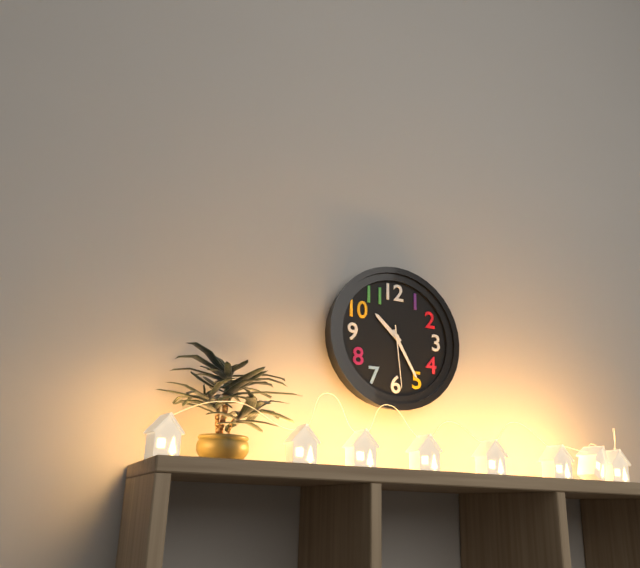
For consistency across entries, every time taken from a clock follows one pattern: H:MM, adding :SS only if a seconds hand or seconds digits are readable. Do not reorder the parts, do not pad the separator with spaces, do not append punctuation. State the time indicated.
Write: 10:25:29
